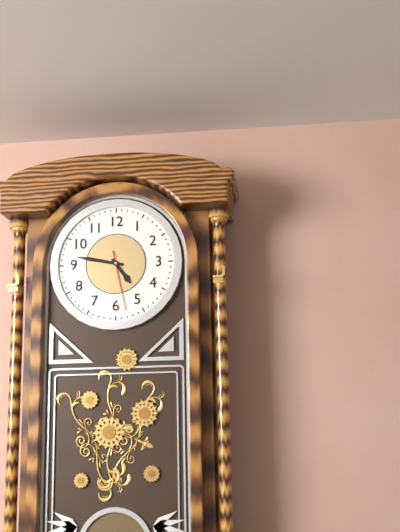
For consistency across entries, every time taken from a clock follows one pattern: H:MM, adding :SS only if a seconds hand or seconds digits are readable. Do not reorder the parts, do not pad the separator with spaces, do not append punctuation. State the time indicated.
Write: 4:47
